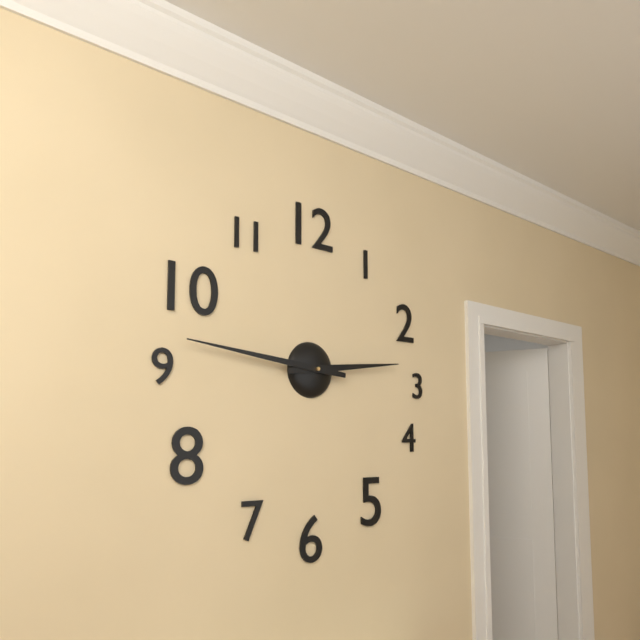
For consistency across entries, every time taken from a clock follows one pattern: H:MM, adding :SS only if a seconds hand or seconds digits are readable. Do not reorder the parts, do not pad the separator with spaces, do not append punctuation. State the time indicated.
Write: 2:46
